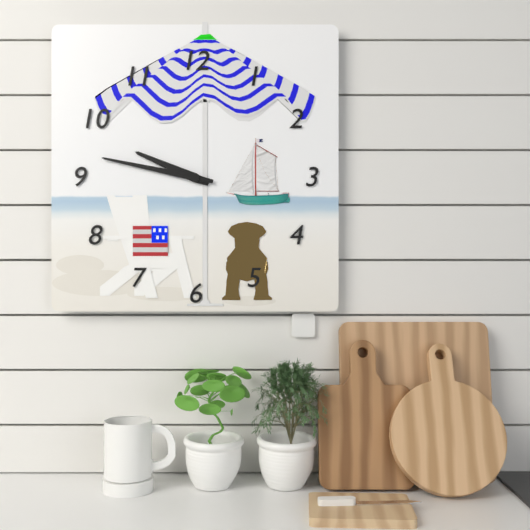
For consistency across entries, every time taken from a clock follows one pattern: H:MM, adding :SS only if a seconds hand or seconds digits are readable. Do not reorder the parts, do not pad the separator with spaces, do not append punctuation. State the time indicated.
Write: 9:47
